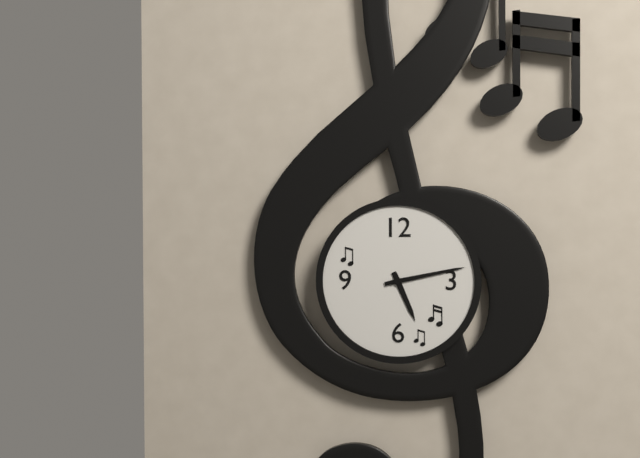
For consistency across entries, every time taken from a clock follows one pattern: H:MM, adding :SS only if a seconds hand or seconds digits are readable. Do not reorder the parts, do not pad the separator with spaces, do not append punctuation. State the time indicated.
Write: 5:13
